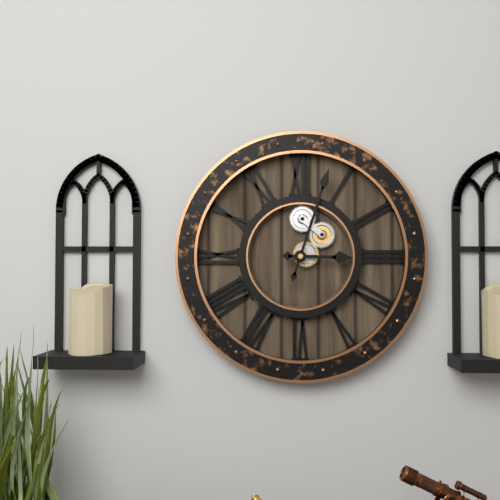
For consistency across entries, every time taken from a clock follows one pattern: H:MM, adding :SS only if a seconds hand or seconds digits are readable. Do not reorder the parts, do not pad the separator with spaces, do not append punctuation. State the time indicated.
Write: 3:03
